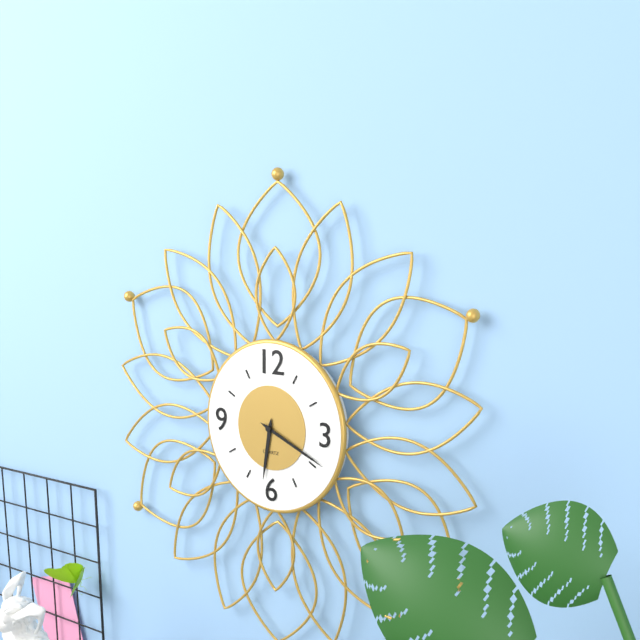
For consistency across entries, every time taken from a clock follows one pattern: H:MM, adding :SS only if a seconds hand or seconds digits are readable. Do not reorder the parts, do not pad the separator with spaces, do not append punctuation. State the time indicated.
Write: 6:19
